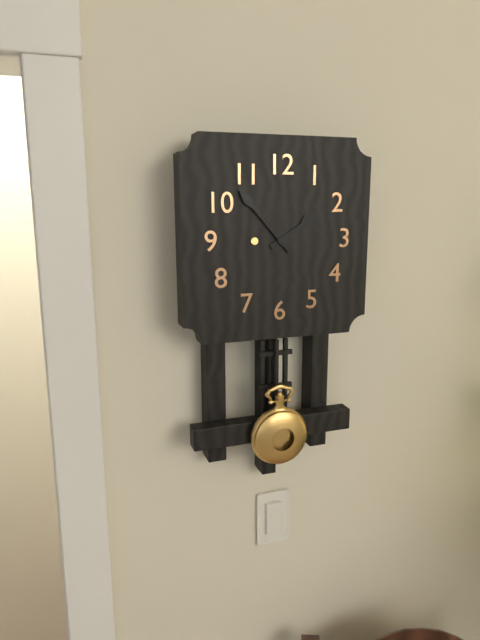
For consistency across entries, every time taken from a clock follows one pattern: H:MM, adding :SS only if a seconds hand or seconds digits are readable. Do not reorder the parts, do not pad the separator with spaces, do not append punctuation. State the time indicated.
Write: 1:53
